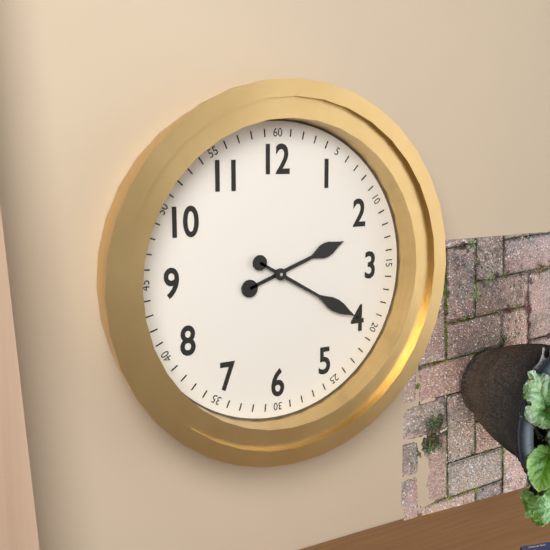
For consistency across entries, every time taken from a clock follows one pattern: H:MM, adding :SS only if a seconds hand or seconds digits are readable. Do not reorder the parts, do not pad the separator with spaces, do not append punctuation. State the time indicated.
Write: 2:20
